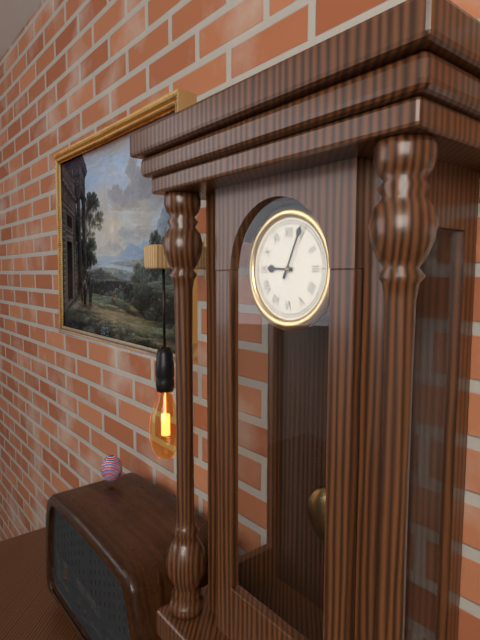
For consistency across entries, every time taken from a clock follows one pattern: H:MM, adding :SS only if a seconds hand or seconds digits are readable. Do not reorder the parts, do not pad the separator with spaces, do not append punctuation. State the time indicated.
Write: 9:04
